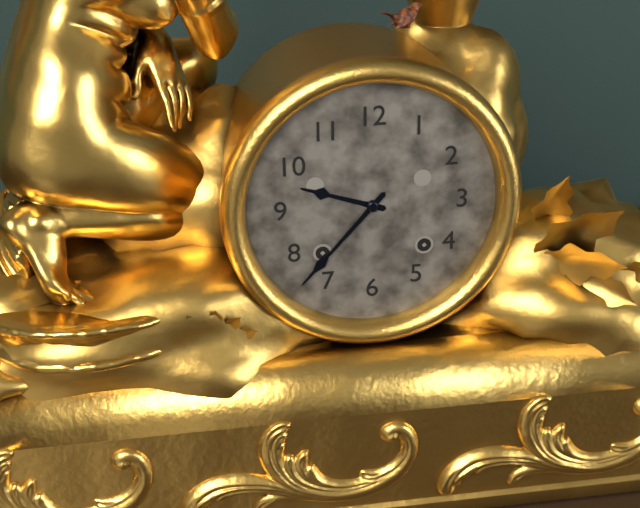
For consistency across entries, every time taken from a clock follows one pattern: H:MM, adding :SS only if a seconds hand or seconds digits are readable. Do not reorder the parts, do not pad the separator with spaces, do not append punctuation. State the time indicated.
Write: 9:37
